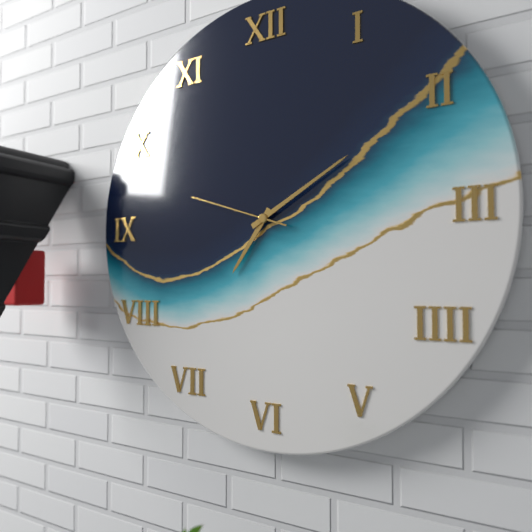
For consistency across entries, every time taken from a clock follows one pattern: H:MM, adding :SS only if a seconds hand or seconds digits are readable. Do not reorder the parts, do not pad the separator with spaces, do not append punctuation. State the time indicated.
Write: 7:10:48
